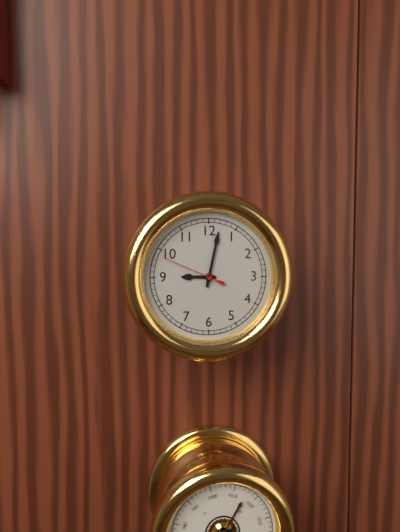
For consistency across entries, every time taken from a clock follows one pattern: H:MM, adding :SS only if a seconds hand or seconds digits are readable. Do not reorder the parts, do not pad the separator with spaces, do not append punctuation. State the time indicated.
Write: 9:02:49
